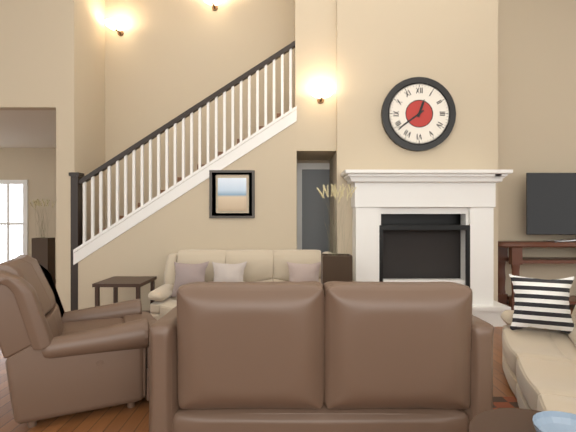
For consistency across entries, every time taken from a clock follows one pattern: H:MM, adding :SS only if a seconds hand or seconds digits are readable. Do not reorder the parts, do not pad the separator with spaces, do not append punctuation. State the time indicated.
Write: 12:39
